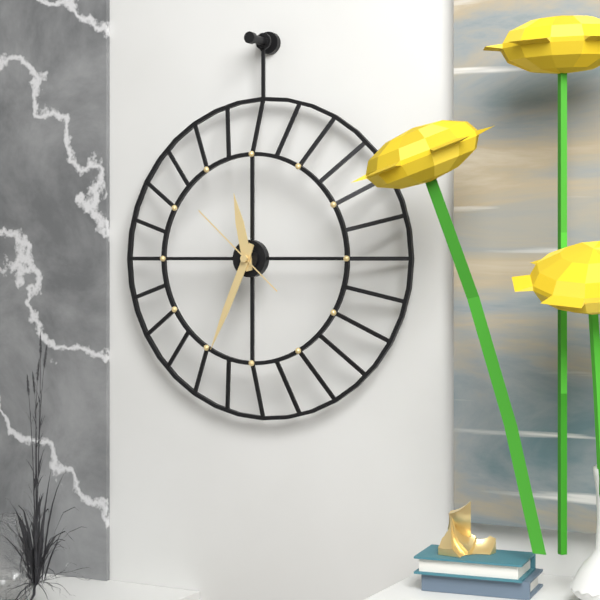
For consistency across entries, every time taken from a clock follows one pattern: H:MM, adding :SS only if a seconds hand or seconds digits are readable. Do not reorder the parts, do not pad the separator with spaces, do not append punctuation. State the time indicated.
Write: 11:34:52
